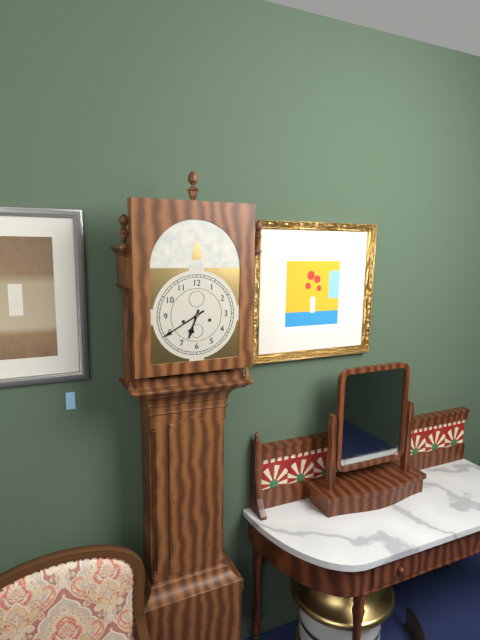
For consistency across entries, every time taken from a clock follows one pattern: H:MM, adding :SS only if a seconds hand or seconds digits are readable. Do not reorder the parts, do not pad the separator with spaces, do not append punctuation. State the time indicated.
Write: 6:40
